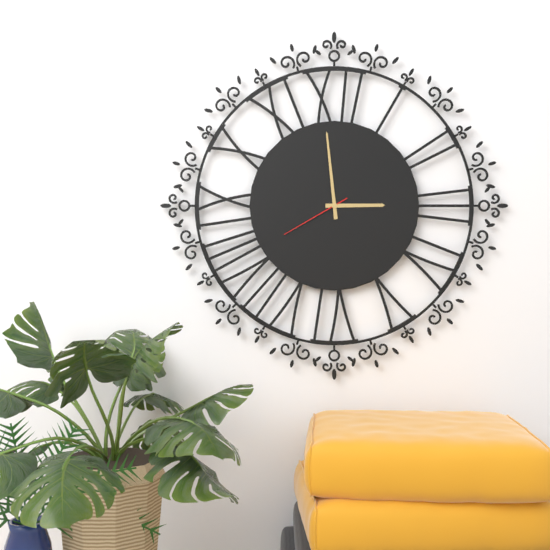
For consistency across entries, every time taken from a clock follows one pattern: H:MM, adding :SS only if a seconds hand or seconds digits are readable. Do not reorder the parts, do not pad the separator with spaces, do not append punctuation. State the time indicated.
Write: 2:59:40
